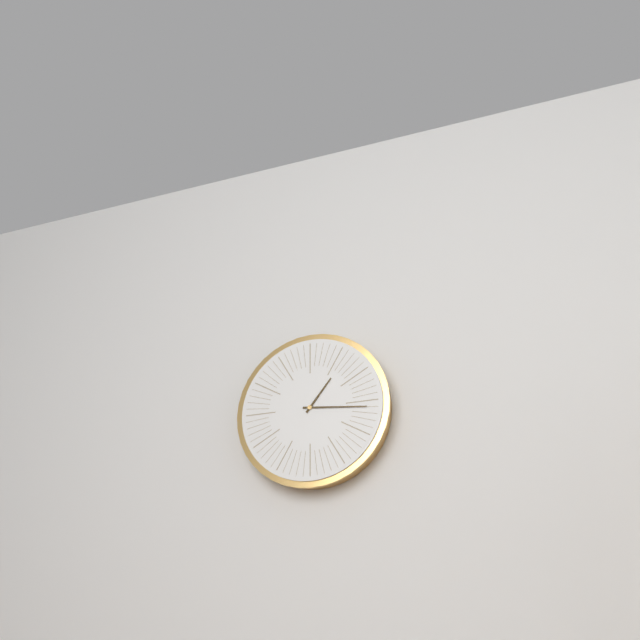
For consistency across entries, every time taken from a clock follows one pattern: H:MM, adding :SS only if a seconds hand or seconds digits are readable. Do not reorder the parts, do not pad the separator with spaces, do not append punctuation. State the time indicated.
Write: 1:16
